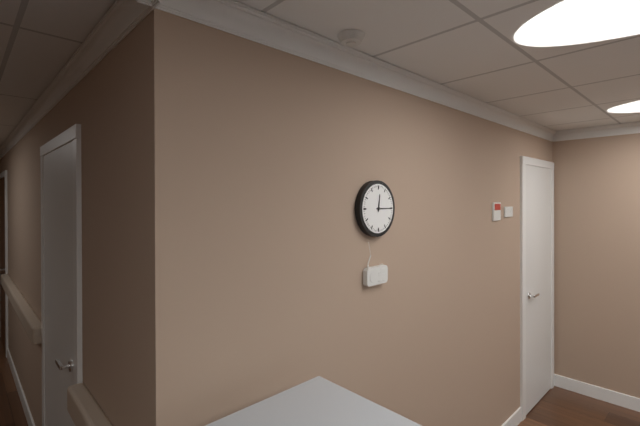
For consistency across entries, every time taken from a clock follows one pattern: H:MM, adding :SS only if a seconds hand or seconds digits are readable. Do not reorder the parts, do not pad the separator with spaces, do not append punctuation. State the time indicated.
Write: 12:15
